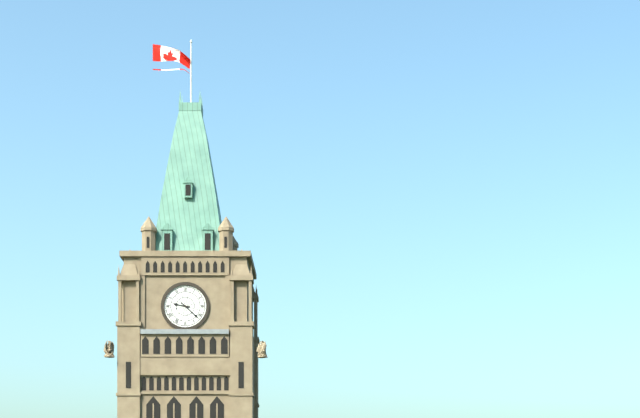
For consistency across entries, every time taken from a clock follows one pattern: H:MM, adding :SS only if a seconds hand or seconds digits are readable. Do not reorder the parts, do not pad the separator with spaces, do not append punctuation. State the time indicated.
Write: 9:22
